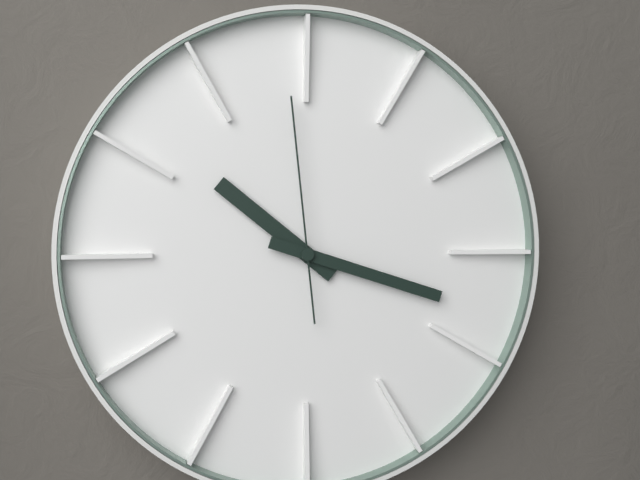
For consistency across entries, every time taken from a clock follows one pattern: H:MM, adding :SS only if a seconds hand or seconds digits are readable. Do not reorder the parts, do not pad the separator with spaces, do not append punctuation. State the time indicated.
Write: 10:18:59
